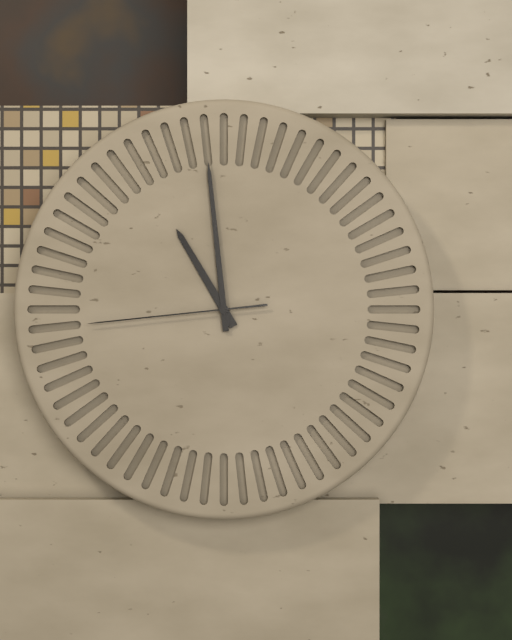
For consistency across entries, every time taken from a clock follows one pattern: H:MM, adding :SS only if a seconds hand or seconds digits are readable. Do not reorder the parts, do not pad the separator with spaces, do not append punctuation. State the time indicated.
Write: 10:59:44
